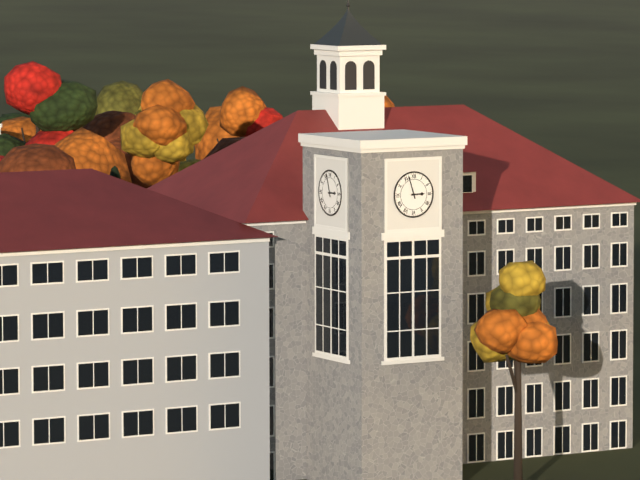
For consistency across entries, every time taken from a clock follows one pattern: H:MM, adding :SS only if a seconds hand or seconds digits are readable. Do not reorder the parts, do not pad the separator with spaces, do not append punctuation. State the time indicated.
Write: 2:57
